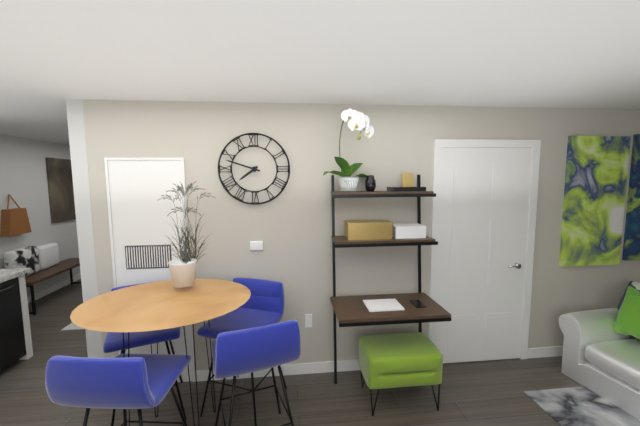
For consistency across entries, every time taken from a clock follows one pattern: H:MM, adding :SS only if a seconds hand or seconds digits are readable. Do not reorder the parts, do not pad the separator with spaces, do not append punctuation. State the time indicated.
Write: 7:48
